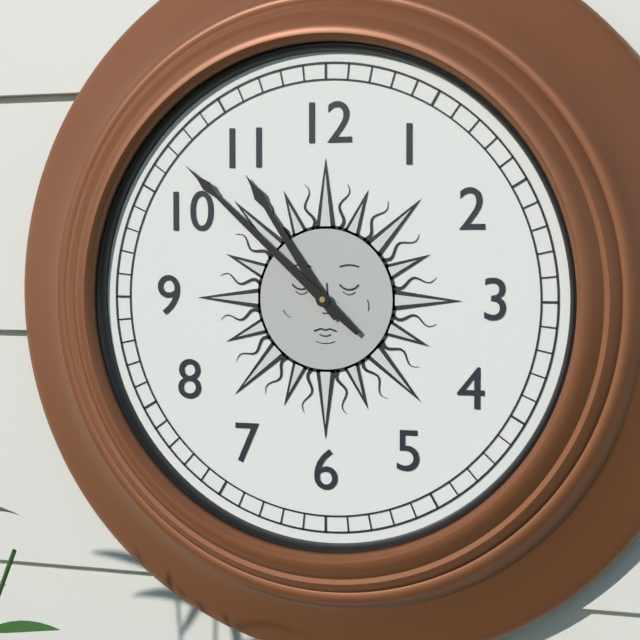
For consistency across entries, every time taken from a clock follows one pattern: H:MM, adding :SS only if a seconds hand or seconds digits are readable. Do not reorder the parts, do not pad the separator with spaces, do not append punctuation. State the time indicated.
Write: 10:52
